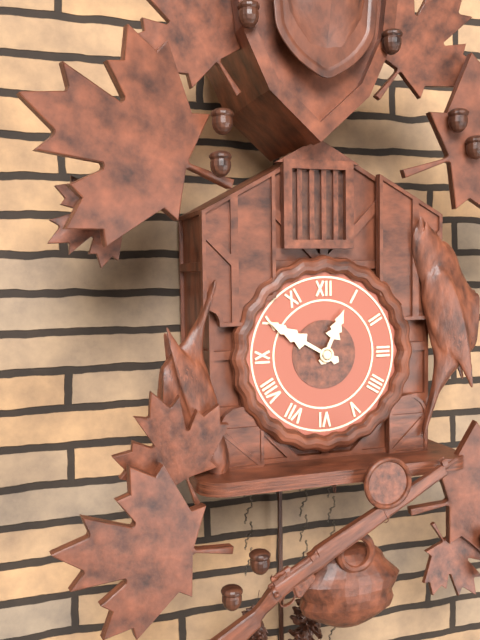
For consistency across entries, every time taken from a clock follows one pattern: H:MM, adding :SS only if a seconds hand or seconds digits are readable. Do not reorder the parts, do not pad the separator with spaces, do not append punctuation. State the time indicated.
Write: 12:50
